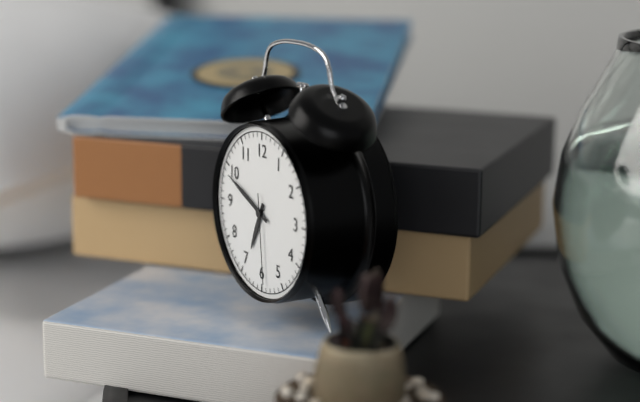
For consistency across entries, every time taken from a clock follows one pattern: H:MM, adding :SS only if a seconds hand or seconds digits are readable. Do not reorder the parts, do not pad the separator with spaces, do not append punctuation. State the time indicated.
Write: 6:49:29
